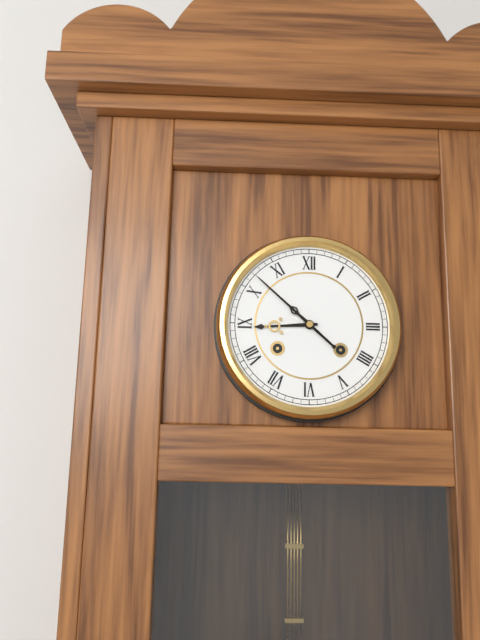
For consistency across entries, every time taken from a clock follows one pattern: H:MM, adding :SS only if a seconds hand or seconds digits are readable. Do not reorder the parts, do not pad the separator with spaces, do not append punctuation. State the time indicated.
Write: 8:52
